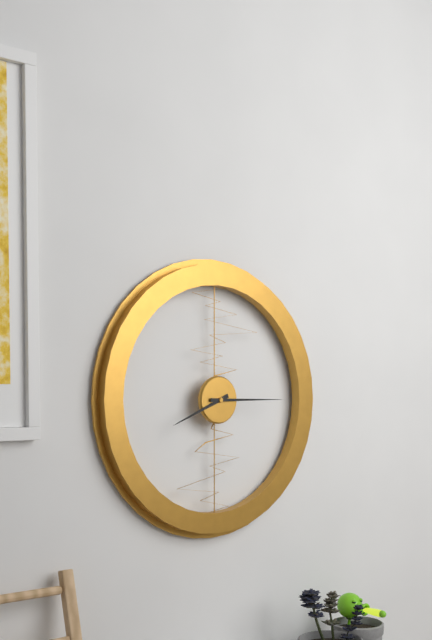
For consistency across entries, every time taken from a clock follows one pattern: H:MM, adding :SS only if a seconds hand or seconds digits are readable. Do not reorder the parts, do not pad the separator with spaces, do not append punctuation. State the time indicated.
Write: 8:15
